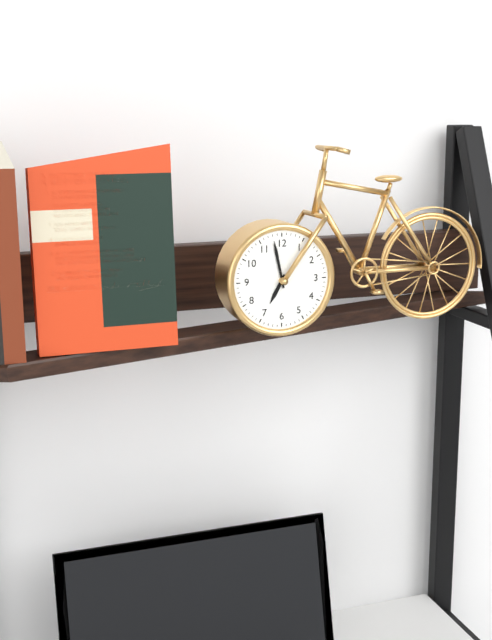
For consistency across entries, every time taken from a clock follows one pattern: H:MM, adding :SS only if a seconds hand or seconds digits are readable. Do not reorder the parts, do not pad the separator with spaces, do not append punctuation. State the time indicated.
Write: 6:58
